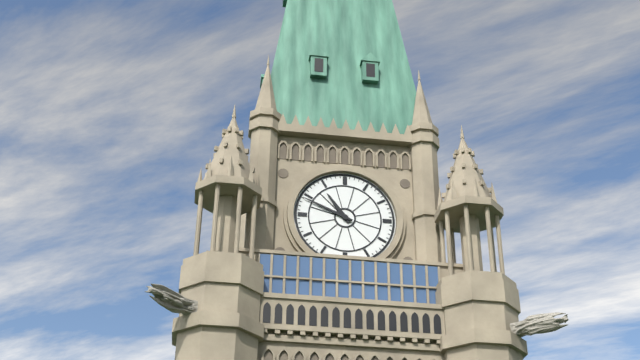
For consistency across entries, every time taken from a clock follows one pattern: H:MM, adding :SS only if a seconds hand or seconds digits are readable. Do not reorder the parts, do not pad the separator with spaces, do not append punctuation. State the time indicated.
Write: 10:49
